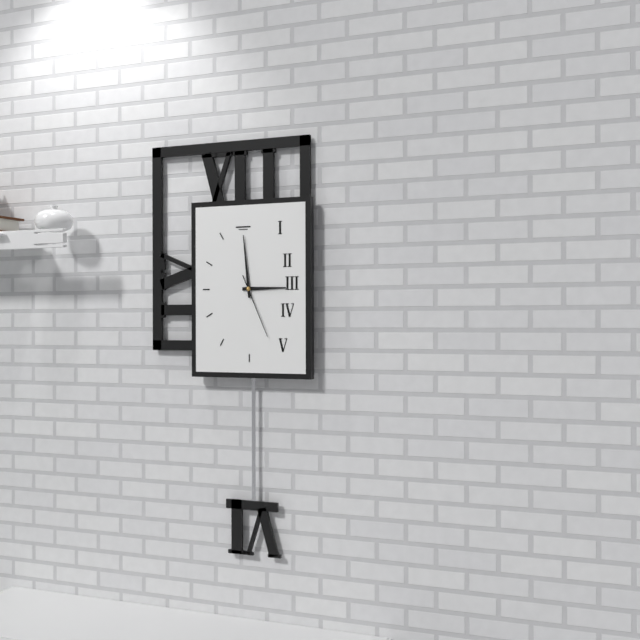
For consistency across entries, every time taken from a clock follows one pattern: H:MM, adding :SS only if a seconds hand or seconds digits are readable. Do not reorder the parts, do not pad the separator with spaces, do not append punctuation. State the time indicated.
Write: 2:59:26
